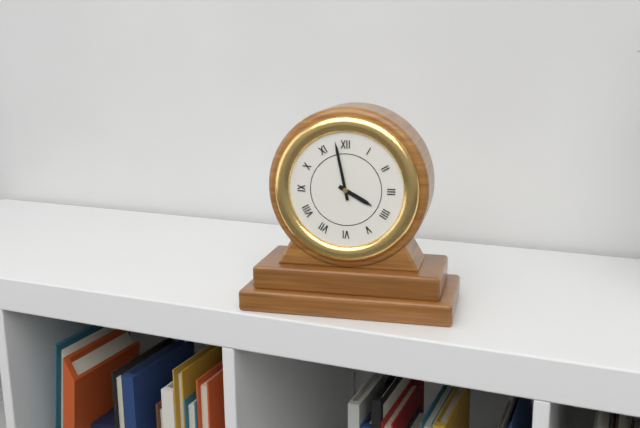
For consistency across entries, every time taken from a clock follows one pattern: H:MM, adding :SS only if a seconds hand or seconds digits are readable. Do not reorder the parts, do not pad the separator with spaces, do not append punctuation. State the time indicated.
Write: 3:58
